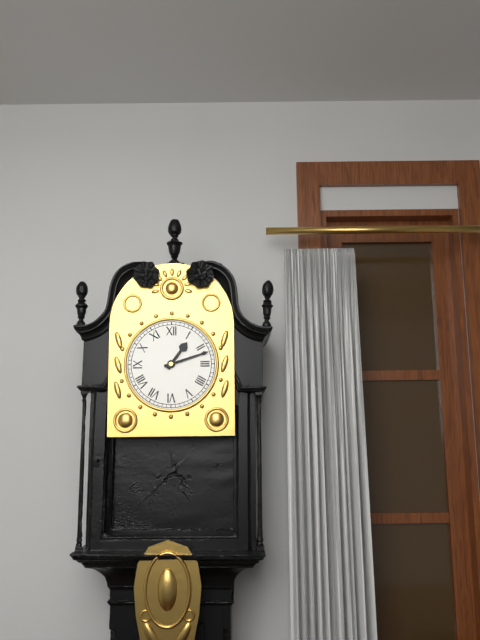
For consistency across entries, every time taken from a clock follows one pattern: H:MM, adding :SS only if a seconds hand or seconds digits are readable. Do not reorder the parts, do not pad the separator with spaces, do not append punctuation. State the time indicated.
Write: 1:12
